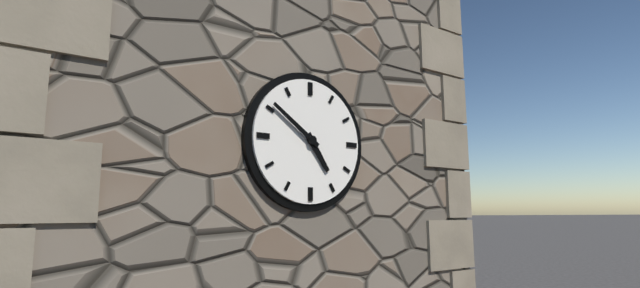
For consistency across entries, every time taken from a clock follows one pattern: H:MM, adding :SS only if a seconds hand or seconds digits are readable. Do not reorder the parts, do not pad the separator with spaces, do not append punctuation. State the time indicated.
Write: 4:51
